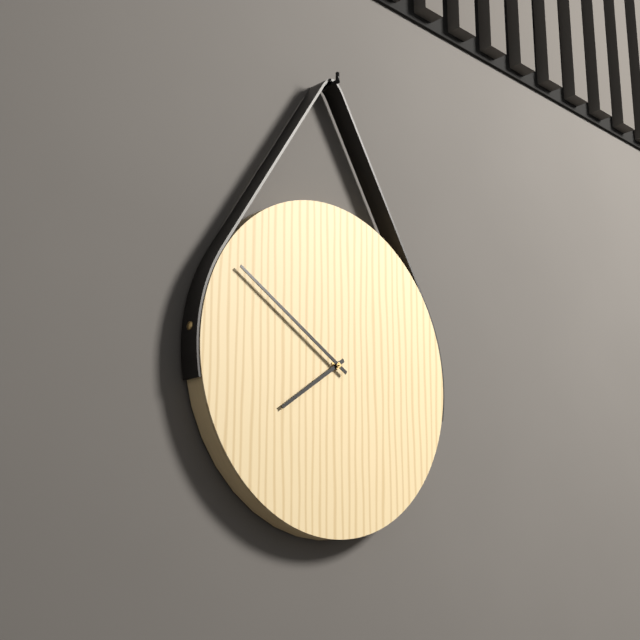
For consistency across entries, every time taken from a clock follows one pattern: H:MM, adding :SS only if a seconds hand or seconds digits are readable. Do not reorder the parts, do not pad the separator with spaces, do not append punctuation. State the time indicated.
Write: 7:50
